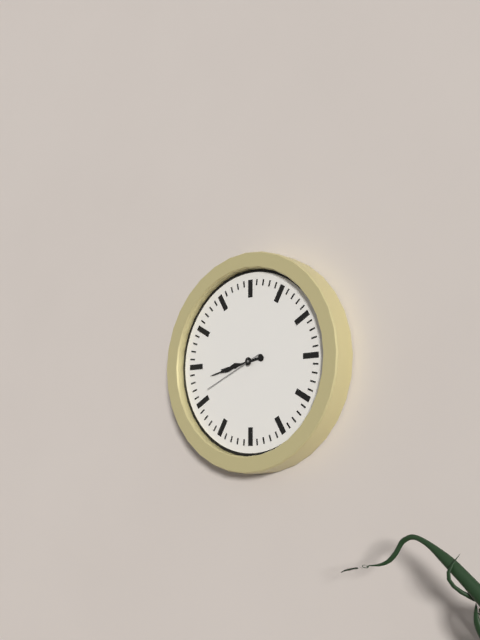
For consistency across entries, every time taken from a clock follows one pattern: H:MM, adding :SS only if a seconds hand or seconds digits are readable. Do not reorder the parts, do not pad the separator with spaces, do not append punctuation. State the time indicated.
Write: 8:43:41
